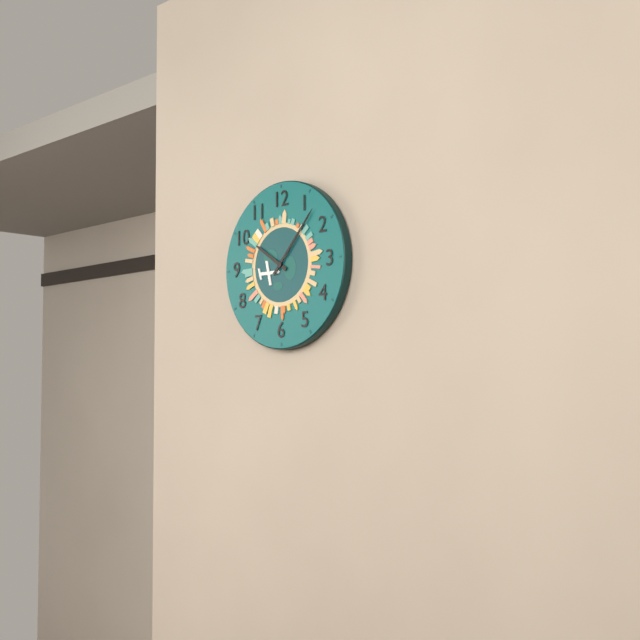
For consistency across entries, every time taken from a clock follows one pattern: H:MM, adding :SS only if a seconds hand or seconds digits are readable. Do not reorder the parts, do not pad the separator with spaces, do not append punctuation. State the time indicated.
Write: 10:07
